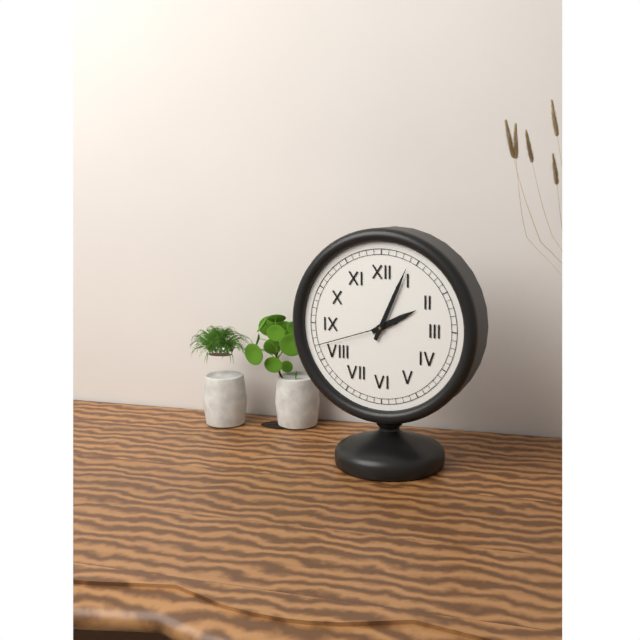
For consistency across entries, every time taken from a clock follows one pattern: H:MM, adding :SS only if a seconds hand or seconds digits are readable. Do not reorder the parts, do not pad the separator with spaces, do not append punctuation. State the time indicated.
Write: 2:04:42
